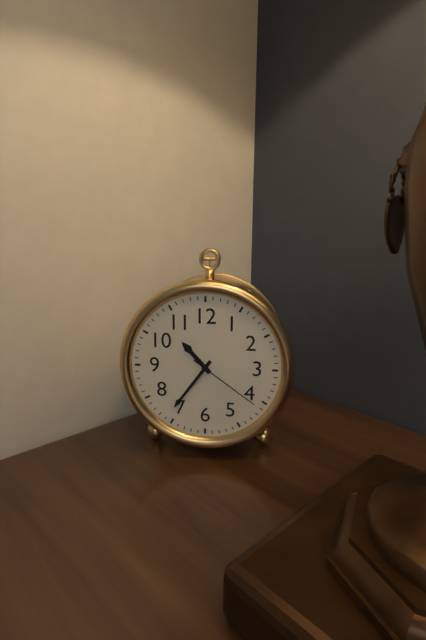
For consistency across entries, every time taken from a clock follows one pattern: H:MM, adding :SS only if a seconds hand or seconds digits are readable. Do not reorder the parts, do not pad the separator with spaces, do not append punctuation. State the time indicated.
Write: 10:36:21
